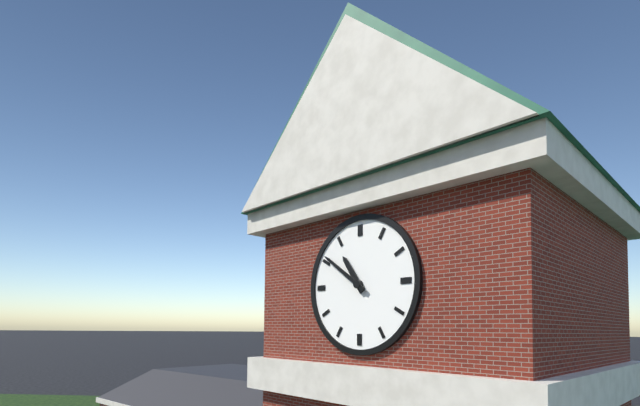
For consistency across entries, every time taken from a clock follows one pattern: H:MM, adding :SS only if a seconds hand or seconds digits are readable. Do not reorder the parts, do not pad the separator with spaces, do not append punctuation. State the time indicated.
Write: 10:51
